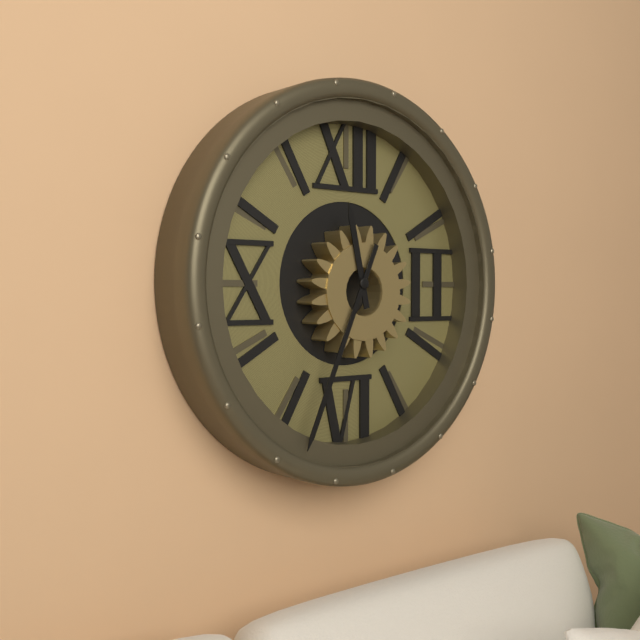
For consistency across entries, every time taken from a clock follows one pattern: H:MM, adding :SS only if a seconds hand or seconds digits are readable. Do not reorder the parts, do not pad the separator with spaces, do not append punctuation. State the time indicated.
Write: 11:34
